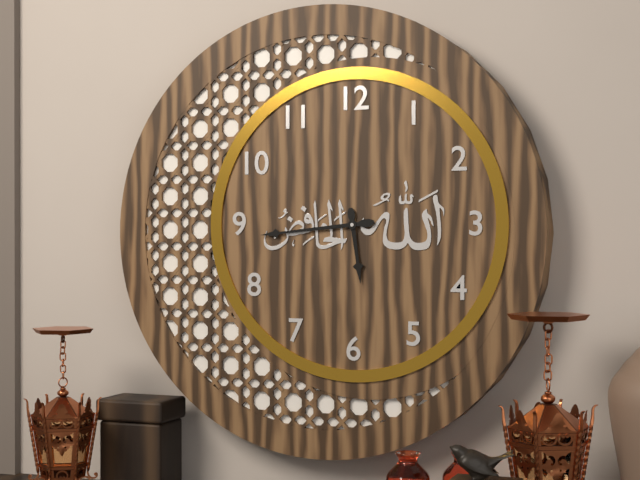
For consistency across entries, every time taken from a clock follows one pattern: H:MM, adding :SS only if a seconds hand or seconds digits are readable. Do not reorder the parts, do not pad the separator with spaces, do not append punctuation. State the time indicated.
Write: 5:44
